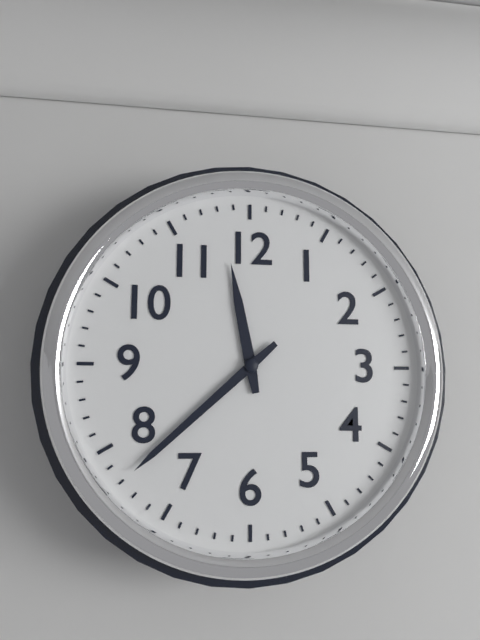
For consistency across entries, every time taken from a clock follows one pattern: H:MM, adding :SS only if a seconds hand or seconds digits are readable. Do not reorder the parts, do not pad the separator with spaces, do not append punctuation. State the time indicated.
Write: 11:38
